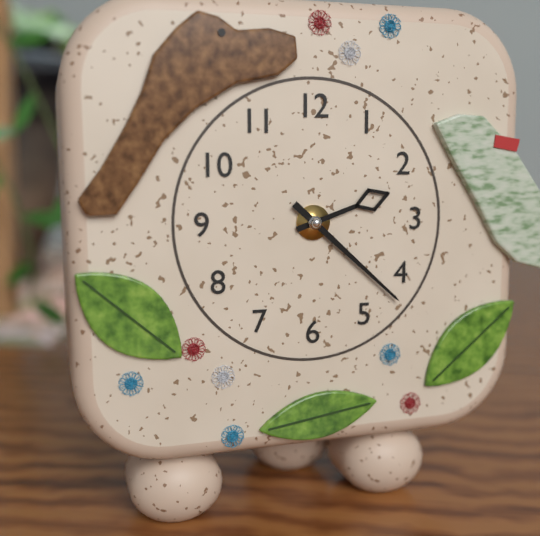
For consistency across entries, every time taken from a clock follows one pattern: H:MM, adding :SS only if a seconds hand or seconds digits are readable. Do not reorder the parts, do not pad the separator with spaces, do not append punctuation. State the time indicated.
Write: 2:22
